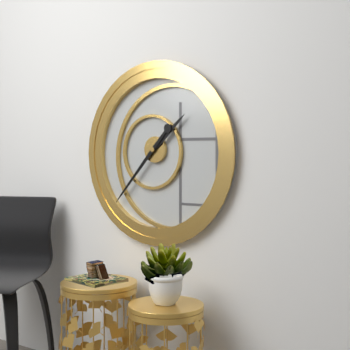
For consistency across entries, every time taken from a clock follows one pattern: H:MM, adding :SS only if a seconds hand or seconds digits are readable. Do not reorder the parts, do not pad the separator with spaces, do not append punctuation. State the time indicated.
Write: 1:37
